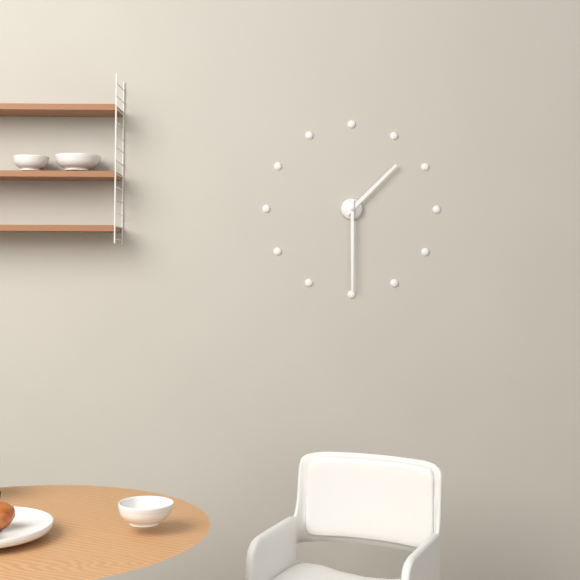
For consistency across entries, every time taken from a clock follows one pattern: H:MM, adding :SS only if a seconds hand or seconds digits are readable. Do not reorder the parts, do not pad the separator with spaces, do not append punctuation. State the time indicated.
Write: 1:30
